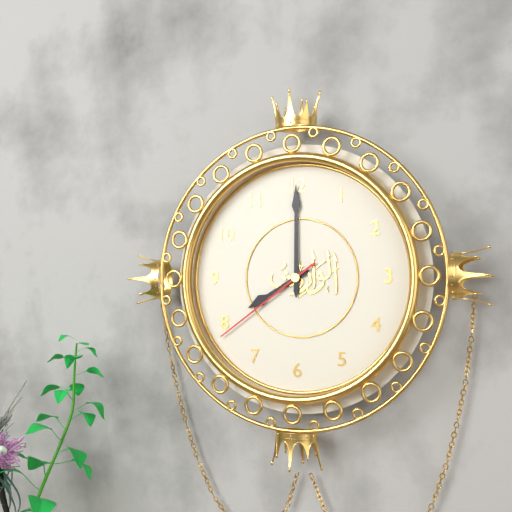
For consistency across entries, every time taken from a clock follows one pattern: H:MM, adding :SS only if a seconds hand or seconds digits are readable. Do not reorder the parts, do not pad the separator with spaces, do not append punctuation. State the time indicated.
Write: 8:00:39
